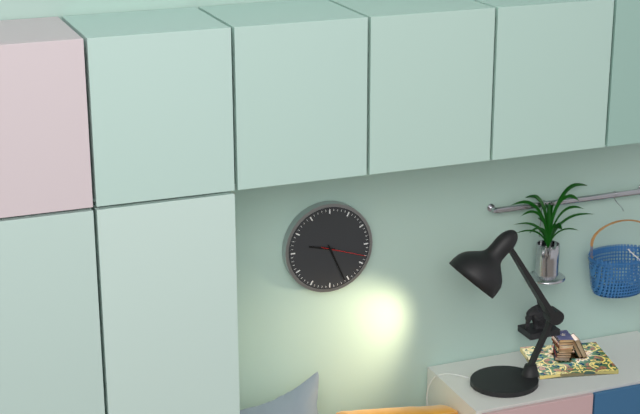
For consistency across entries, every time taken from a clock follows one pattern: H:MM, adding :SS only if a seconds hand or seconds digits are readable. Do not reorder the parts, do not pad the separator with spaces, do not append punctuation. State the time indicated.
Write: 9:26
